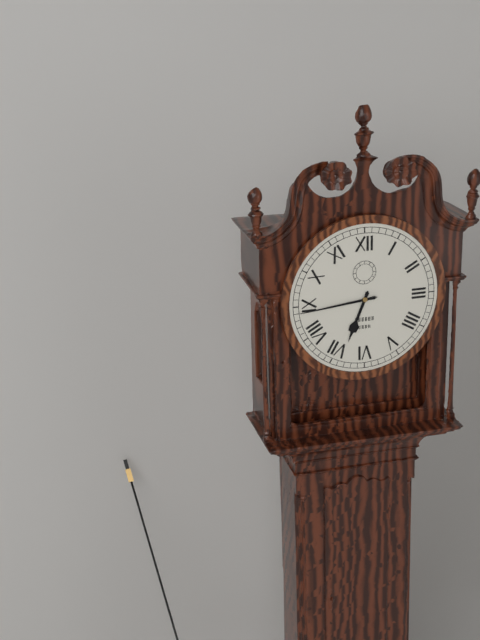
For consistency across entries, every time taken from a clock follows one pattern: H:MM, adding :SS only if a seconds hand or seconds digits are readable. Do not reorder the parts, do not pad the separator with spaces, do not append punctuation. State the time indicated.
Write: 6:44
